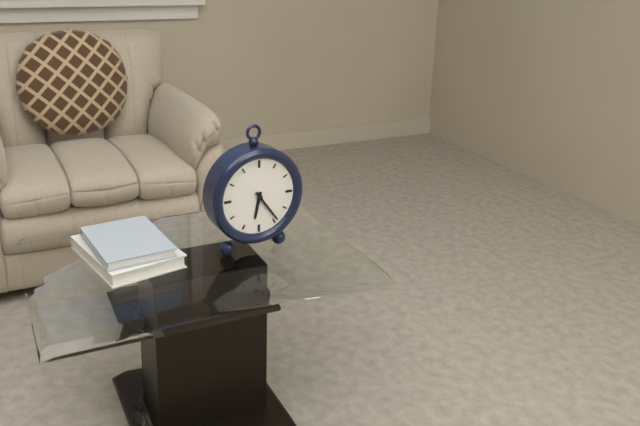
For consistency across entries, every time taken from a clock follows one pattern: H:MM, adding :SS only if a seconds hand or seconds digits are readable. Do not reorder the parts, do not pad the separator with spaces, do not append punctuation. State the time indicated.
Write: 6:24
